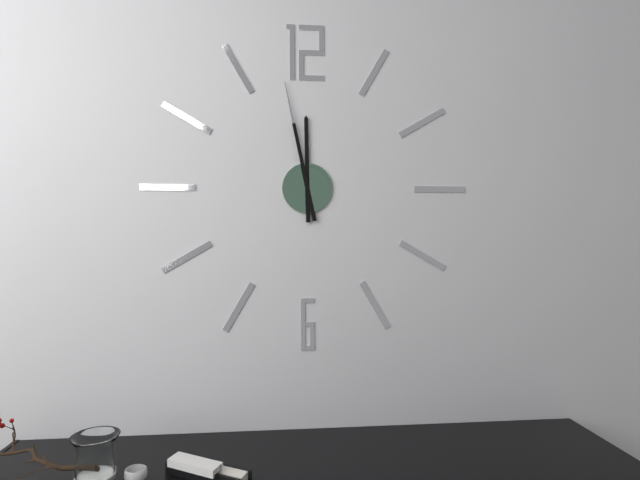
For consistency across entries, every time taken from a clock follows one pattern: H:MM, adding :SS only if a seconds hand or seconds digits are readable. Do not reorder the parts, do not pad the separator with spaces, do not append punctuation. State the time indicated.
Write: 11:58
